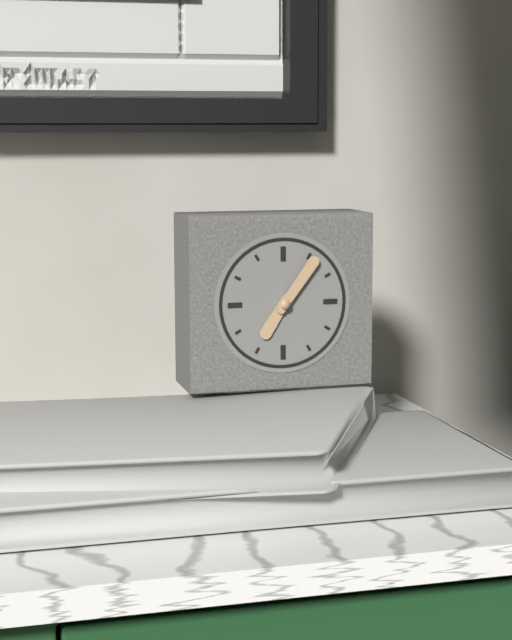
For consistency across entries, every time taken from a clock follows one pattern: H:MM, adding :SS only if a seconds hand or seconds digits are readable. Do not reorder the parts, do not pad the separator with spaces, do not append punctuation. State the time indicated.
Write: 7:06
